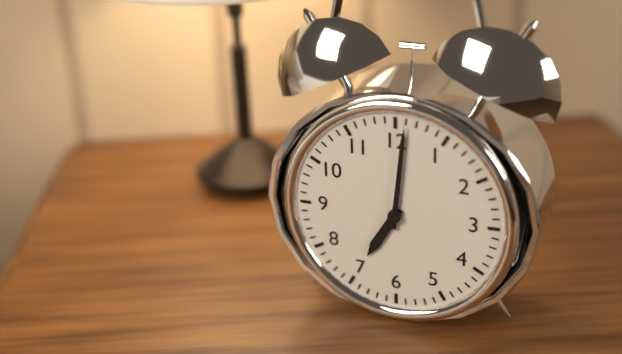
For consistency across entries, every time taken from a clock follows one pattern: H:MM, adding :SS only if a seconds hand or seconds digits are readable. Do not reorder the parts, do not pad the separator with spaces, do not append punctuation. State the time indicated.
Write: 7:01
